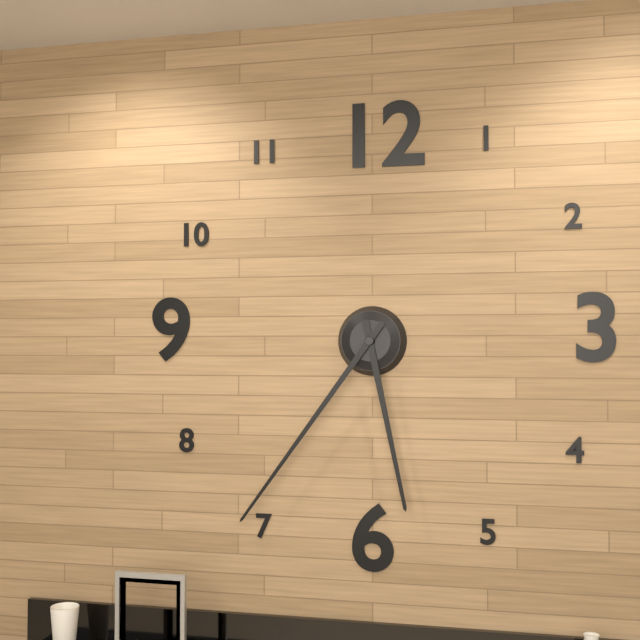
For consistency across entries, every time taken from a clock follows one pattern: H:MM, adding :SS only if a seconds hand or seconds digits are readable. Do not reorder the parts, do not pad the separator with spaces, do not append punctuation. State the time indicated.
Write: 5:36
